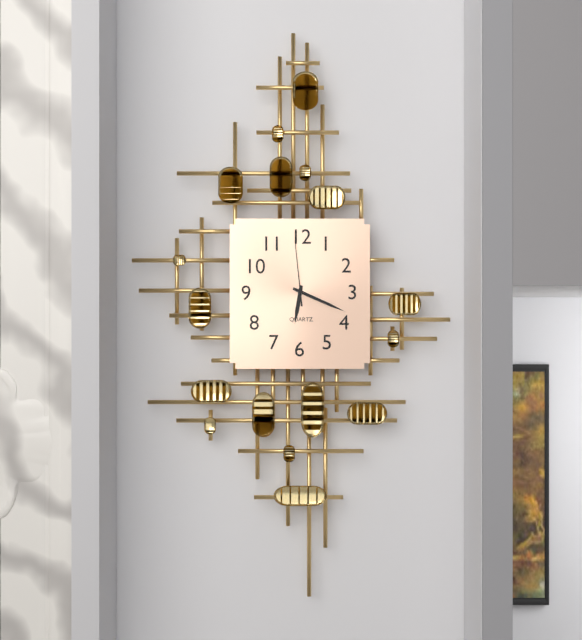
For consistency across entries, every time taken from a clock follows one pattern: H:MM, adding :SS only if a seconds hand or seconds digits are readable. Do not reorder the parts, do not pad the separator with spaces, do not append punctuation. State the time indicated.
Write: 6:19:59
